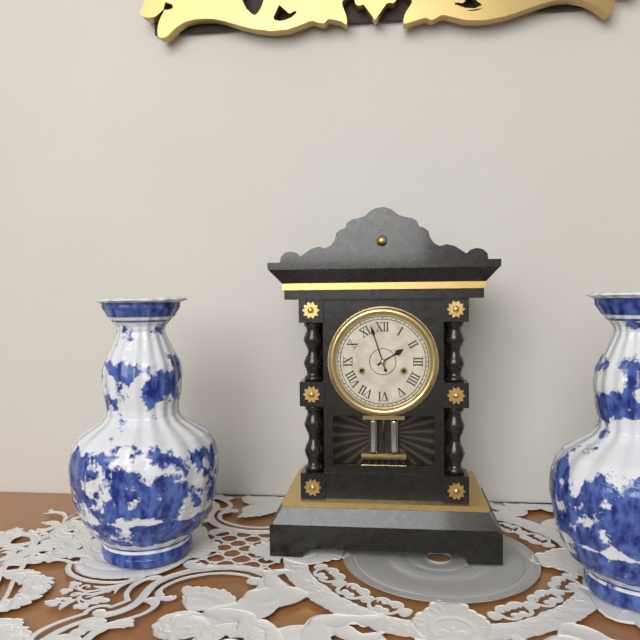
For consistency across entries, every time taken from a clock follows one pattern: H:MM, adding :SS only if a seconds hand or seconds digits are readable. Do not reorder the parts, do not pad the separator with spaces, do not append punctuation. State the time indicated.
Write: 1:57
